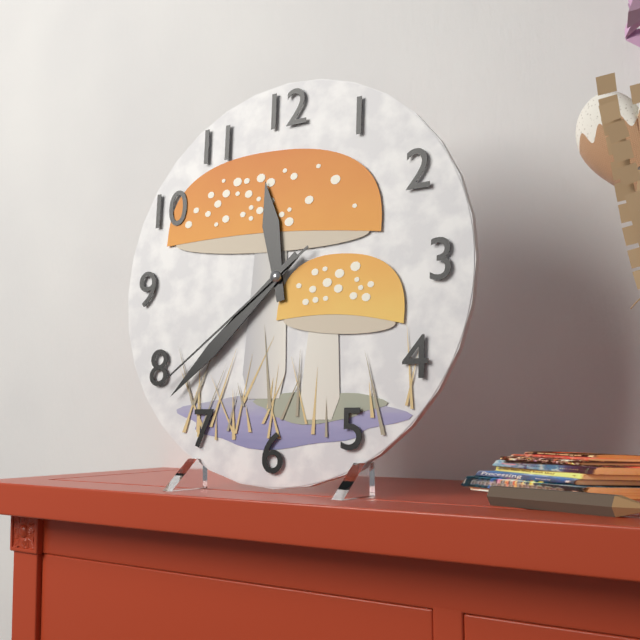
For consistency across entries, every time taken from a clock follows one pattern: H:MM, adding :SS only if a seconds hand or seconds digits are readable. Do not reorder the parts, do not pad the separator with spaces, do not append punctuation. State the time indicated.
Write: 11:38:39
